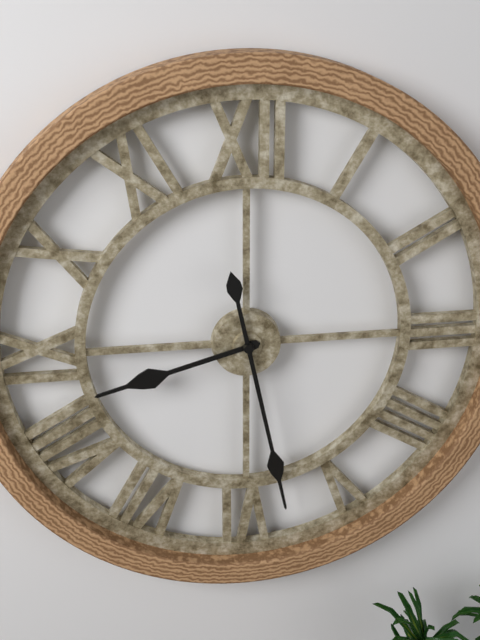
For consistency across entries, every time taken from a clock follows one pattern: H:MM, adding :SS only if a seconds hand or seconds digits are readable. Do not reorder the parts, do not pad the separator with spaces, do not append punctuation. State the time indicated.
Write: 8:28
